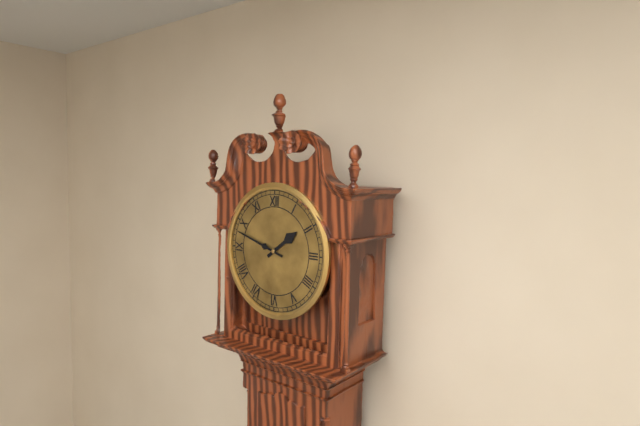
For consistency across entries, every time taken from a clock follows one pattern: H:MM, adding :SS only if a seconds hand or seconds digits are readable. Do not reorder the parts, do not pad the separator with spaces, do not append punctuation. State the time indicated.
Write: 1:48
